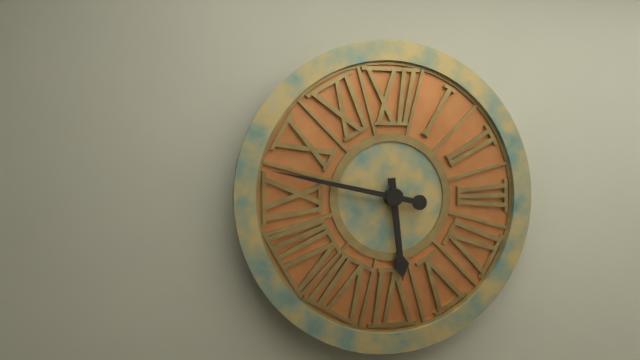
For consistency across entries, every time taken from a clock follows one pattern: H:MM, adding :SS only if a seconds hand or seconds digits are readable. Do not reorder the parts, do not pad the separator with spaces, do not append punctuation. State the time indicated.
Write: 5:47
